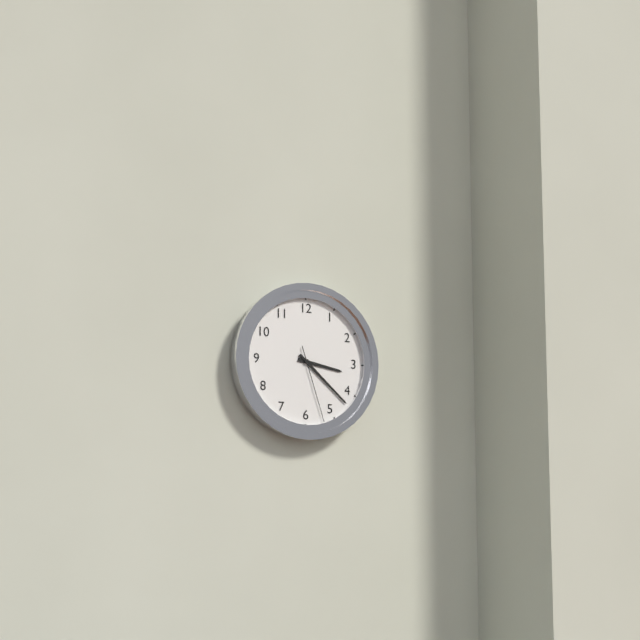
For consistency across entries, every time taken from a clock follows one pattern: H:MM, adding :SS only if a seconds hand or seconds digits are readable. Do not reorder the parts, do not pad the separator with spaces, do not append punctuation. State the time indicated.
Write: 3:22:27
